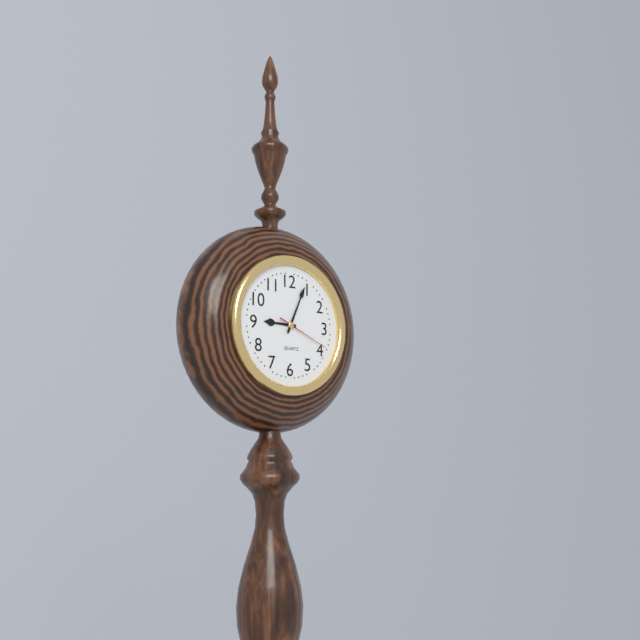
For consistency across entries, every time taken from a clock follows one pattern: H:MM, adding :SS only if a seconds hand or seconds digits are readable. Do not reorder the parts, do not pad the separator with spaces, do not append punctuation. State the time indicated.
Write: 9:04:19
